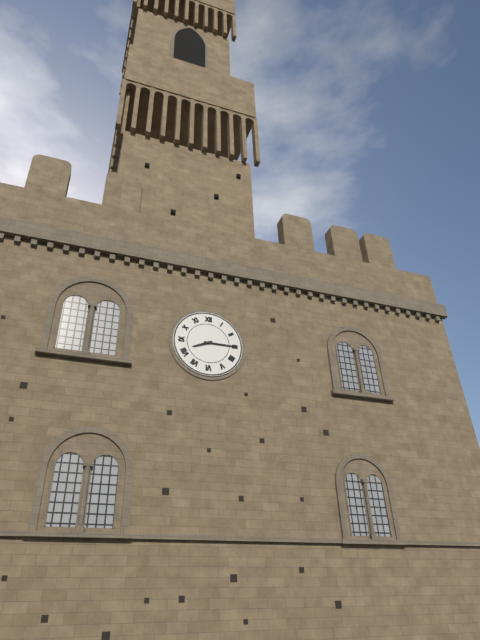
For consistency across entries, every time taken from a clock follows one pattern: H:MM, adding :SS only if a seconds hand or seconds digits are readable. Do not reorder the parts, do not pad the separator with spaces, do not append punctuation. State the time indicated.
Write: 8:15
